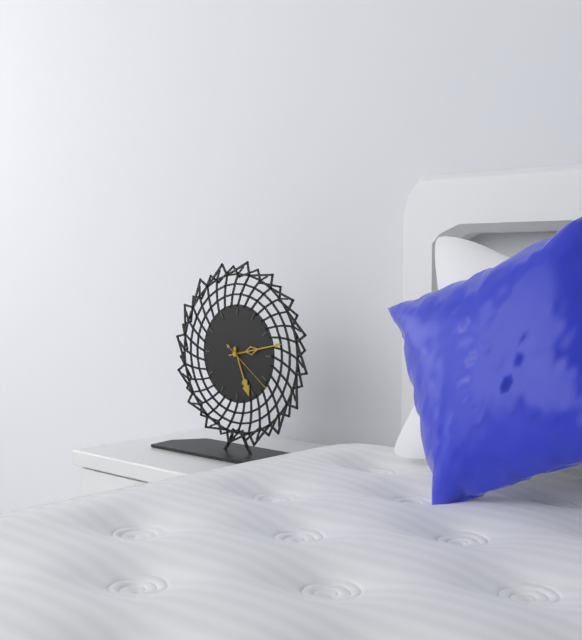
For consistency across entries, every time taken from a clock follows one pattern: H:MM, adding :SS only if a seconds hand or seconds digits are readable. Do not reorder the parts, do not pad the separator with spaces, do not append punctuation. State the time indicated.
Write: 5:13:21
